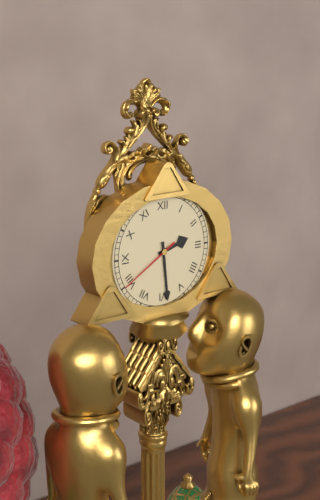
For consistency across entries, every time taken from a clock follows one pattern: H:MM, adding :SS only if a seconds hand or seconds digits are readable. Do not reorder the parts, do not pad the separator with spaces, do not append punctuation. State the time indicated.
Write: 2:29:40
